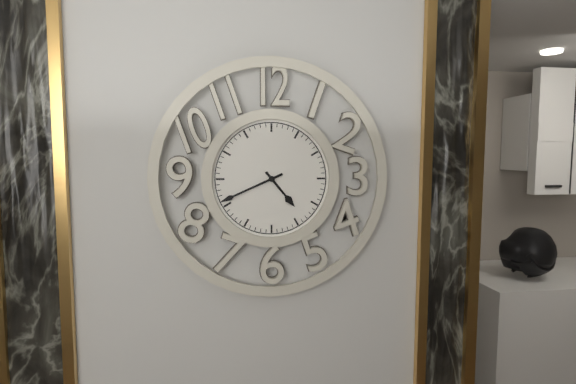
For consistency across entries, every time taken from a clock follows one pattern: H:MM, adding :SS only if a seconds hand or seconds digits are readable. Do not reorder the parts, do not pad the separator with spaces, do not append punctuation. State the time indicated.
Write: 4:41
